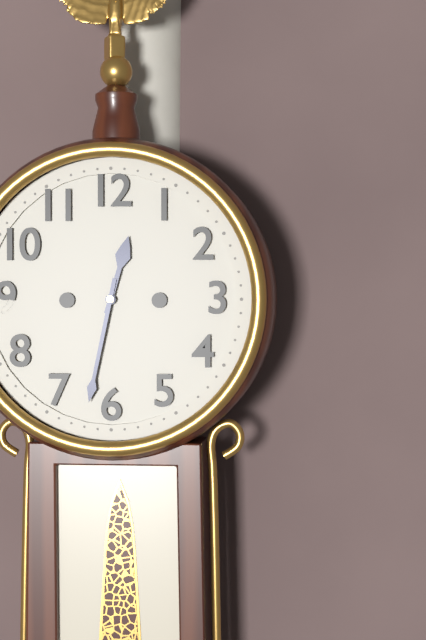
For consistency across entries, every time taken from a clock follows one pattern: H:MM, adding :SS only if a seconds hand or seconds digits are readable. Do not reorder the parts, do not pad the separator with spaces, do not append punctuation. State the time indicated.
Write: 12:32
